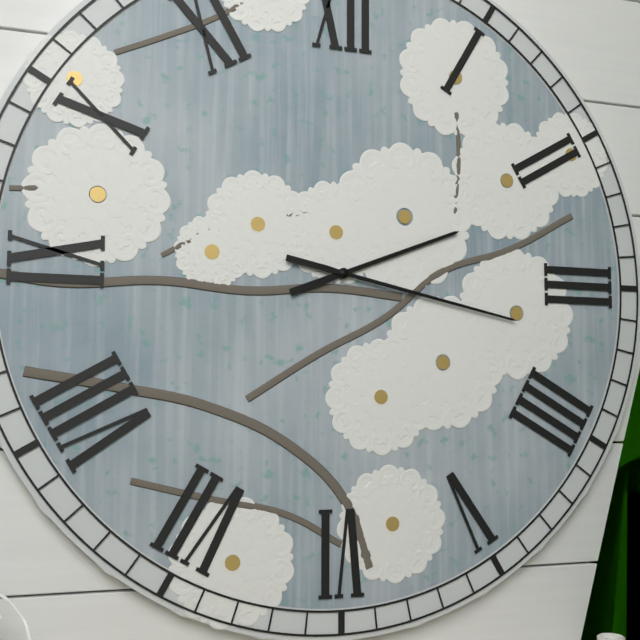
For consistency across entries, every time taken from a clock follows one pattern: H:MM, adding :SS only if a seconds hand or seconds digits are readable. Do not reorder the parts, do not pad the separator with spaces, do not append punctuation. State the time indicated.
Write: 2:17
